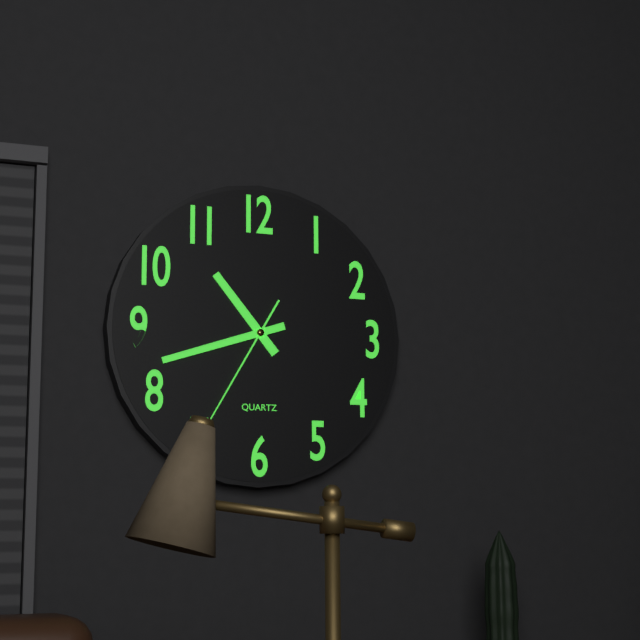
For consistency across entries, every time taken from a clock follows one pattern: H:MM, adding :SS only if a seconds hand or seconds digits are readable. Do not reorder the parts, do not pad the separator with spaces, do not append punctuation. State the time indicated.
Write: 10:42:35
